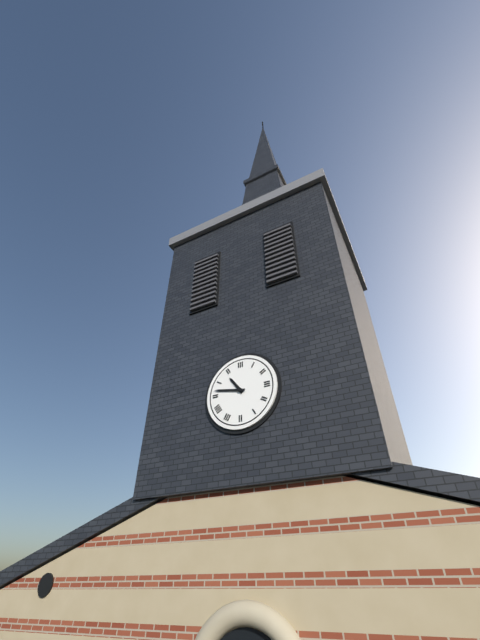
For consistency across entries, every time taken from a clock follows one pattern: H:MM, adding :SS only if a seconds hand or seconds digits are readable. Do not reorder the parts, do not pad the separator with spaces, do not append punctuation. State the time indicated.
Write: 10:47
